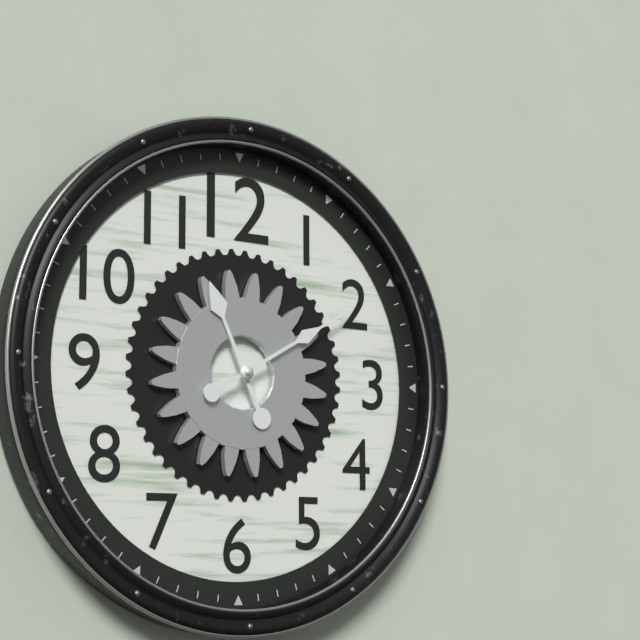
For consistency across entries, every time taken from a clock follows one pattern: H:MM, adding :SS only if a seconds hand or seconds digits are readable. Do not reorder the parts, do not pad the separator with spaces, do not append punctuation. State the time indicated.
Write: 11:10
